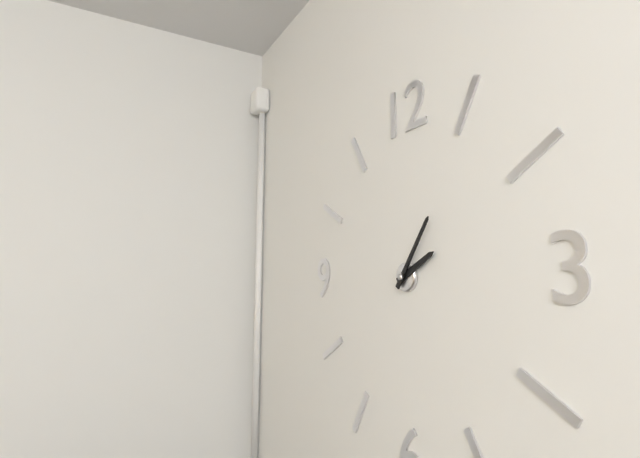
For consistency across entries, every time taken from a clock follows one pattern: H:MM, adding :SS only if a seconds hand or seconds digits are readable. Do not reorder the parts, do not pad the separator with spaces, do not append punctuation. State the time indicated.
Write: 2:06
